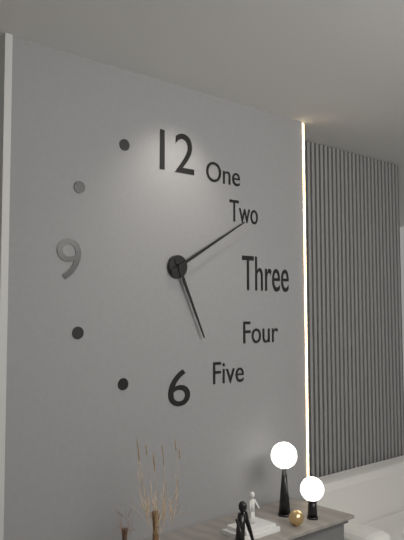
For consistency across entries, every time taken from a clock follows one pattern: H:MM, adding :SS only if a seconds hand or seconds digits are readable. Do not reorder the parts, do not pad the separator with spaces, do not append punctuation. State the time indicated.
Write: 5:10
